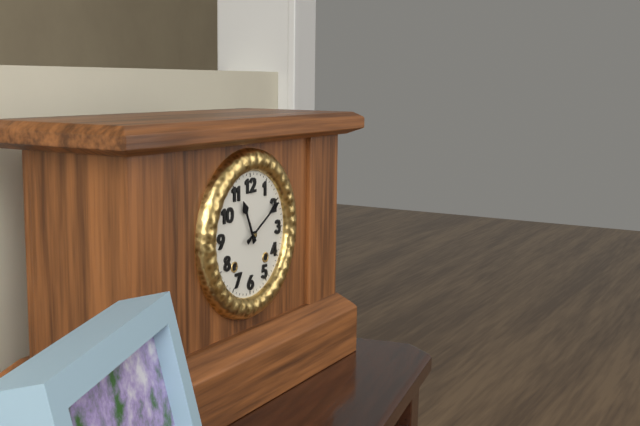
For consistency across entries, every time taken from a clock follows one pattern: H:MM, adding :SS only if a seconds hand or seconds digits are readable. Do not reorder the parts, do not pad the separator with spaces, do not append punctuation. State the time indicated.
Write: 11:10
